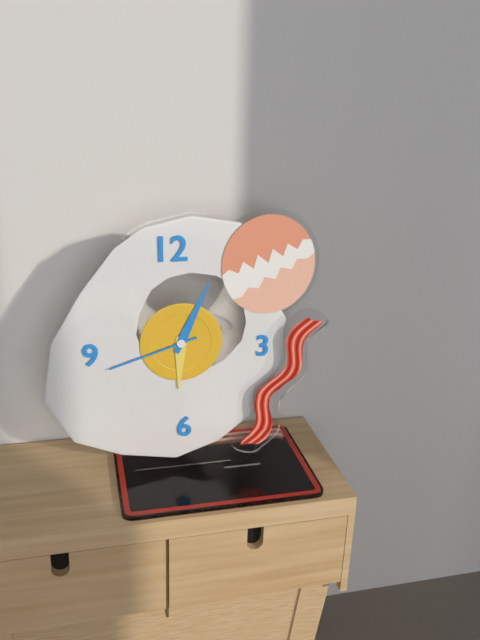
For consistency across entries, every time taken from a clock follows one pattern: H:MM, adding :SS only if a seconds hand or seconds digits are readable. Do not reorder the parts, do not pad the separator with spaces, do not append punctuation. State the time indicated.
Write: 6:04:42
